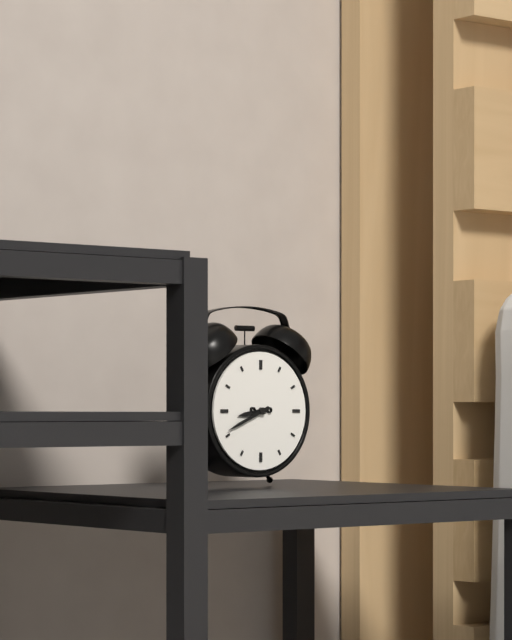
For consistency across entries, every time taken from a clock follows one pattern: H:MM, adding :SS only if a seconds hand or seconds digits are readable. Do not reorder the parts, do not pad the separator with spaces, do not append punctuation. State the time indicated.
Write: 8:41
